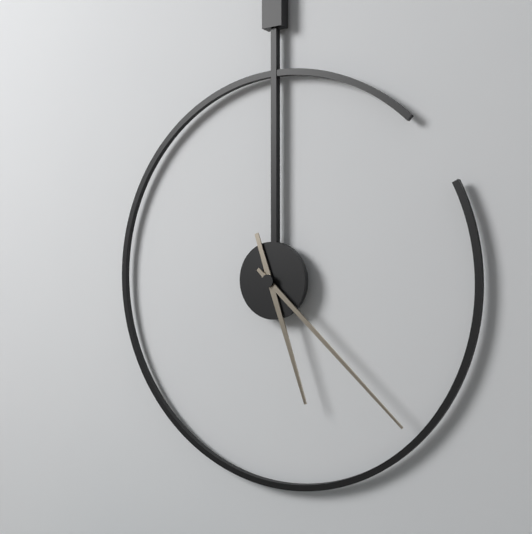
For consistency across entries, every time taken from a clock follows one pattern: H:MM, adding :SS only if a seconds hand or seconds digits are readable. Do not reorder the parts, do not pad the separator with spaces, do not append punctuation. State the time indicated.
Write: 5:22
